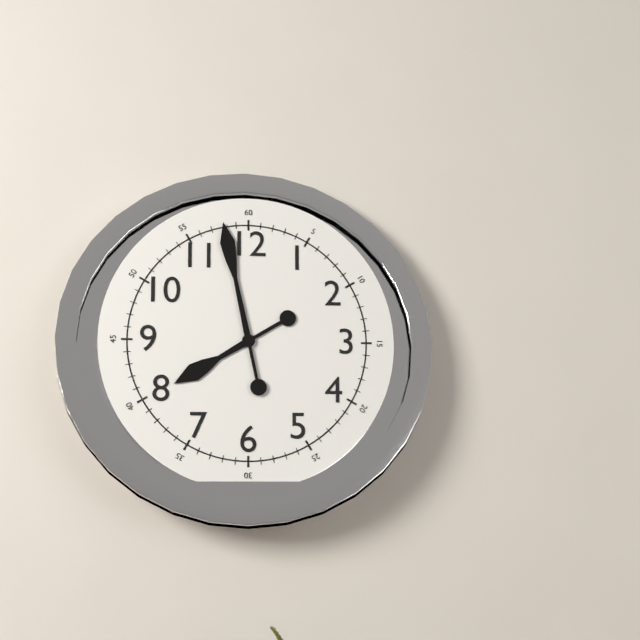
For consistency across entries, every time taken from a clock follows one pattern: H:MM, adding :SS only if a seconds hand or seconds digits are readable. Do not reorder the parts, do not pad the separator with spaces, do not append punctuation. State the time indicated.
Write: 7:58
